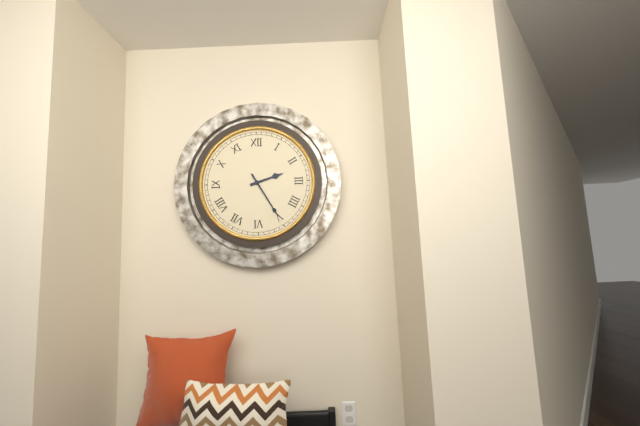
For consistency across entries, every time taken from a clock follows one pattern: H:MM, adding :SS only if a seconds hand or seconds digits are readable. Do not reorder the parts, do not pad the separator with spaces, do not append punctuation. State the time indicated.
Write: 2:25
